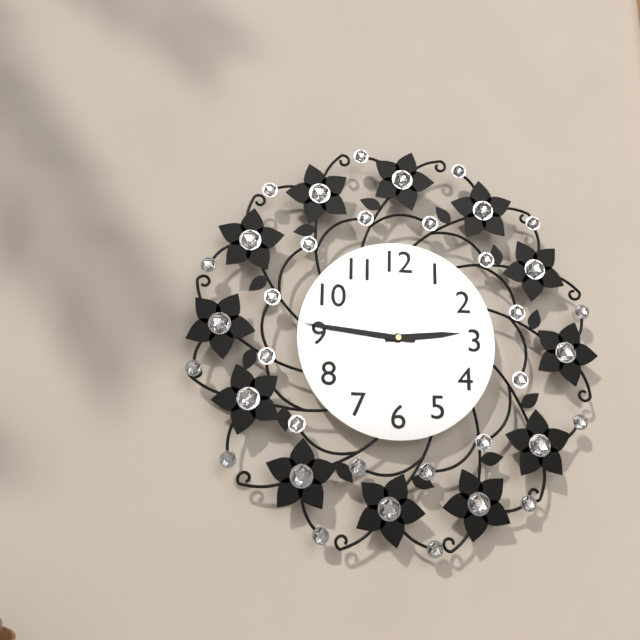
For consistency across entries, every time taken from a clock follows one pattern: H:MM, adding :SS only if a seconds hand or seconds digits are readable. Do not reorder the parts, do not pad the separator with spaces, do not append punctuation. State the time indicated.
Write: 2:46
